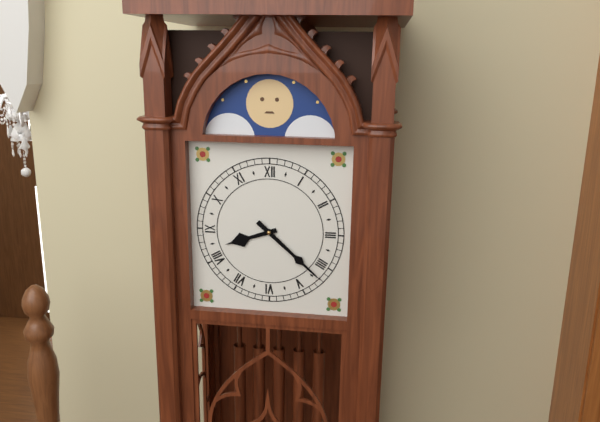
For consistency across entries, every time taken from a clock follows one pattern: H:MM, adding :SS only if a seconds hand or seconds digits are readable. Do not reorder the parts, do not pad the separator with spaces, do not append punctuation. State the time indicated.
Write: 8:22
